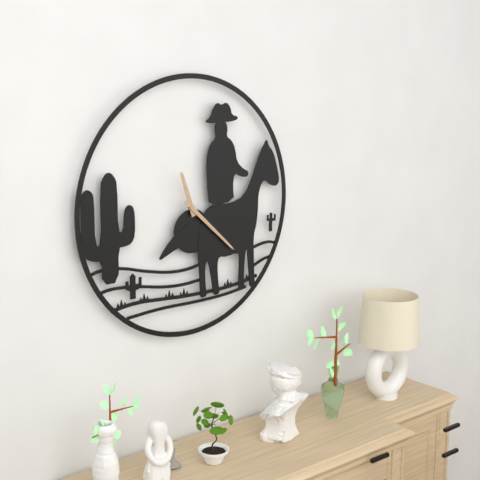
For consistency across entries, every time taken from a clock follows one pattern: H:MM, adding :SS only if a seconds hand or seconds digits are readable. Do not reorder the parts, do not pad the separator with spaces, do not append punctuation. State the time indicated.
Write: 11:22
